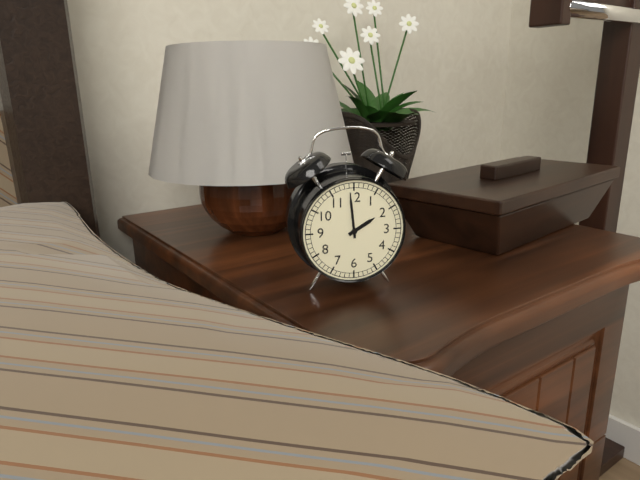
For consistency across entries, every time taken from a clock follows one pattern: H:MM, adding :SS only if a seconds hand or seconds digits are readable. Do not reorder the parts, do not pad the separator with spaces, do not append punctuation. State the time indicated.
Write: 1:59
